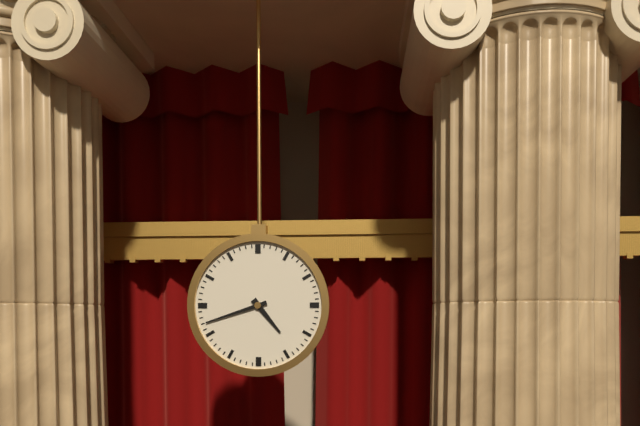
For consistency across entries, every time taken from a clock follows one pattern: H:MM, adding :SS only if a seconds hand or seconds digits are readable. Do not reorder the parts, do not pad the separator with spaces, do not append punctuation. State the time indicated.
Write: 4:42
